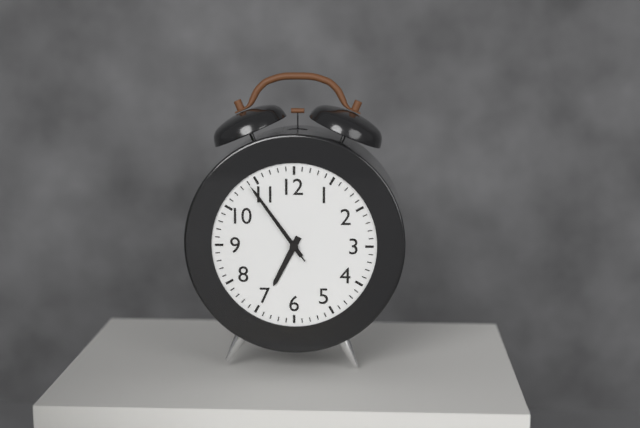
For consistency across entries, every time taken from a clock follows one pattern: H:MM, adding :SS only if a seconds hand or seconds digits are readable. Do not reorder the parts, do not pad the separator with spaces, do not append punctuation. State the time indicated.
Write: 6:54:54
